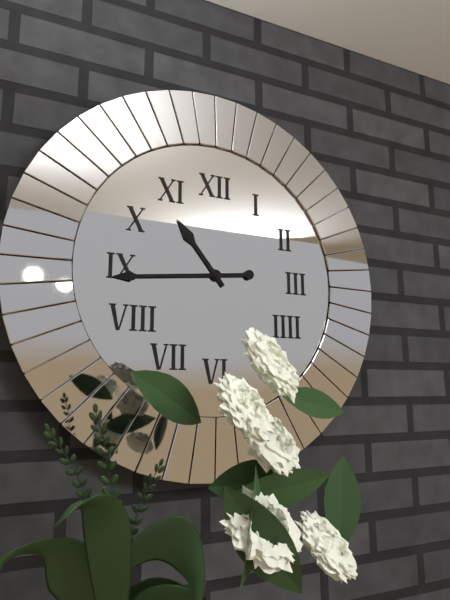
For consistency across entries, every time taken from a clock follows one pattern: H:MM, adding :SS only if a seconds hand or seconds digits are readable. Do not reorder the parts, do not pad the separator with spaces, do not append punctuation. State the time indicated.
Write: 10:44
